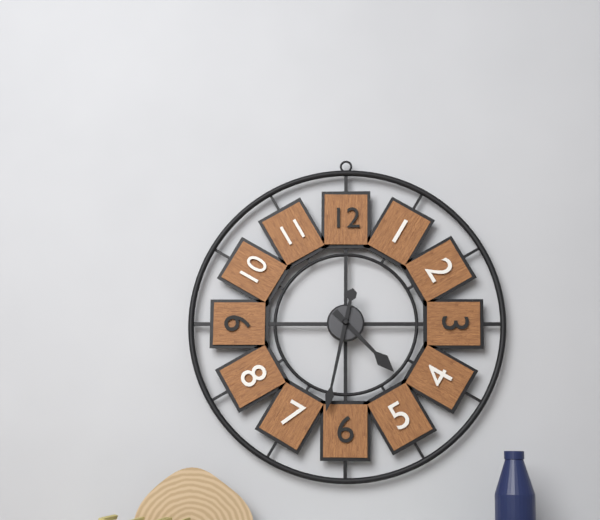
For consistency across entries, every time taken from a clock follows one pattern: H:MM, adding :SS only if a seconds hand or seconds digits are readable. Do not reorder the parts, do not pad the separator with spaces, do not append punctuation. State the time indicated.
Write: 4:32
